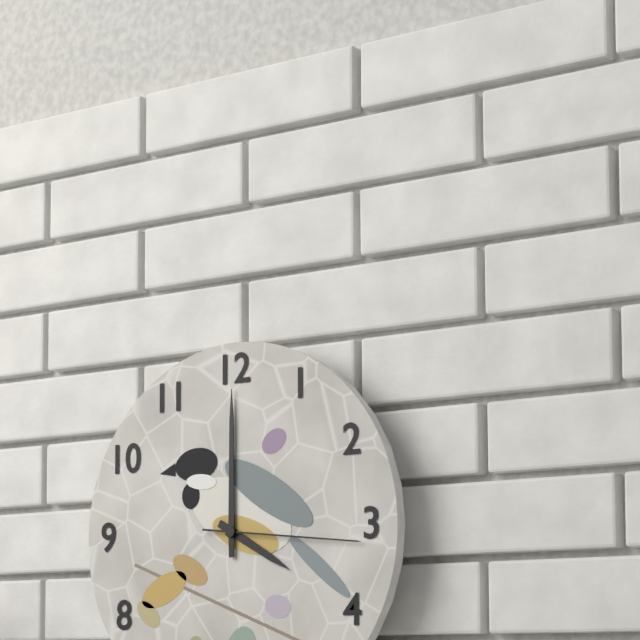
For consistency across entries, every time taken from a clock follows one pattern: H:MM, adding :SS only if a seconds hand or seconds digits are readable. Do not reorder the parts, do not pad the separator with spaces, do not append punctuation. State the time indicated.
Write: 4:00:16
